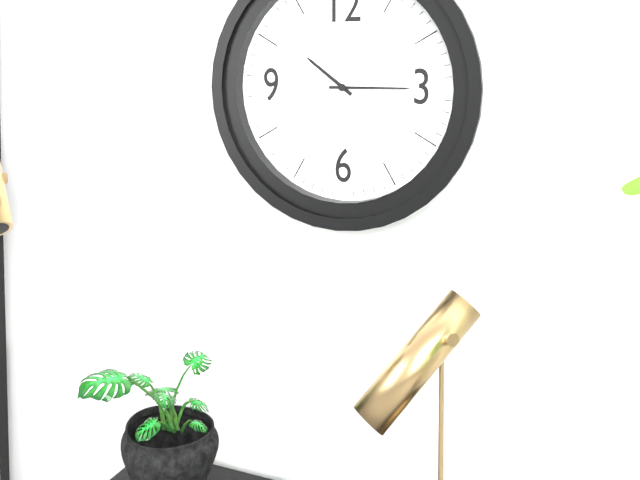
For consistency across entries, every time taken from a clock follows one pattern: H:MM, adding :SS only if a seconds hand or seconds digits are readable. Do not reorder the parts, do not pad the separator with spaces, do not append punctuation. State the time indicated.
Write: 10:15
